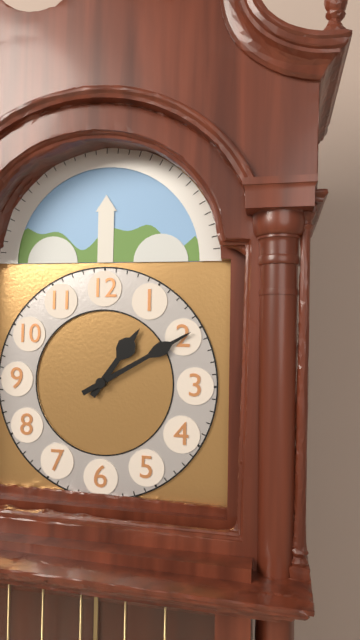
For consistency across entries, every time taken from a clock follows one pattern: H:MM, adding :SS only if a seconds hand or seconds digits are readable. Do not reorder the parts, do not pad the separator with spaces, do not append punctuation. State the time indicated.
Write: 1:10
